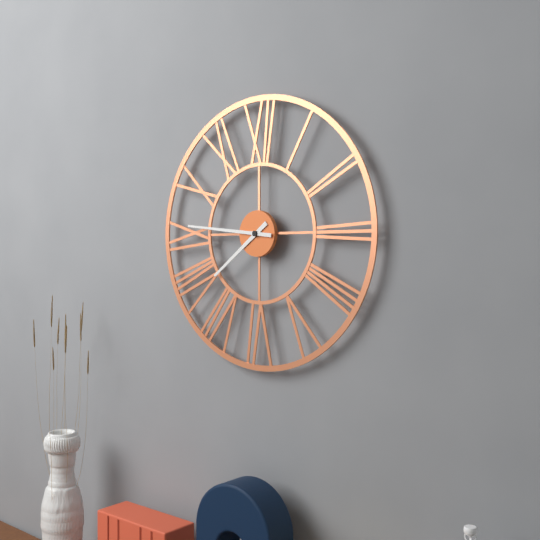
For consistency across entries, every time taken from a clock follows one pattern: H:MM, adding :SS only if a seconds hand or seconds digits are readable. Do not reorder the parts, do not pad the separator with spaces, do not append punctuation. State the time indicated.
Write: 7:46
